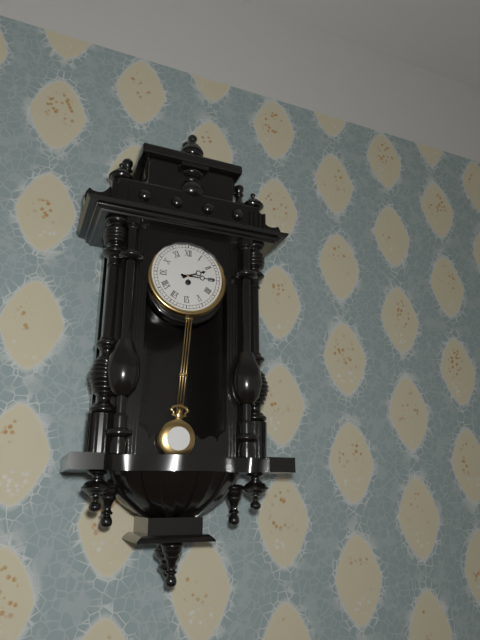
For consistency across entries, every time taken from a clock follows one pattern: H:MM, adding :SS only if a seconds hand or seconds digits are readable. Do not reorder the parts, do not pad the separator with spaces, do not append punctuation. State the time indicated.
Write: 2:15
